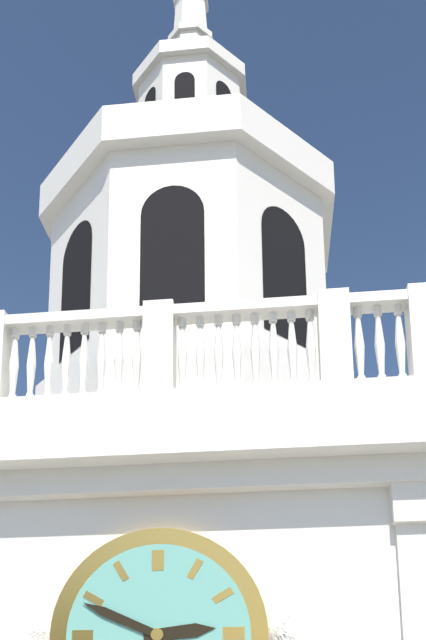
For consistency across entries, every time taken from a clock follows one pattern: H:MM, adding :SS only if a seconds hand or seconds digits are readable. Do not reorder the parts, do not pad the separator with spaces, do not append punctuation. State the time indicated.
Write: 2:49
